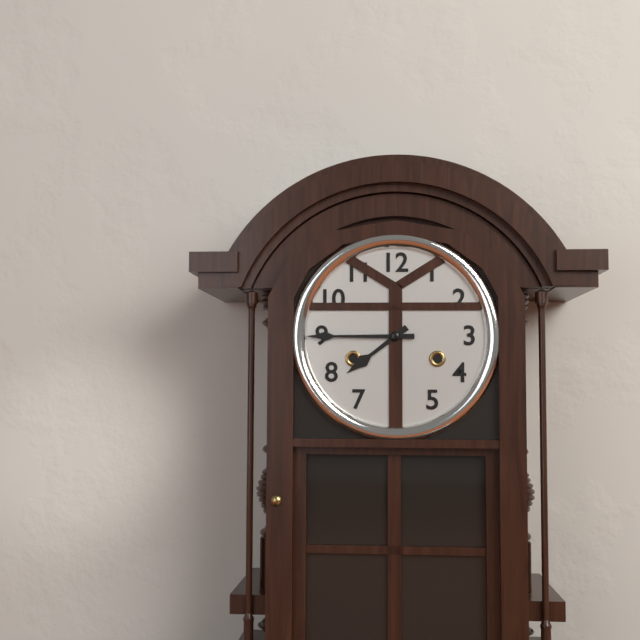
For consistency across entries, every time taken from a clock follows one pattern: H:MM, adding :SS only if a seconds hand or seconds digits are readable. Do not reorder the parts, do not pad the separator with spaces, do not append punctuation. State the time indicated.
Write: 7:45
